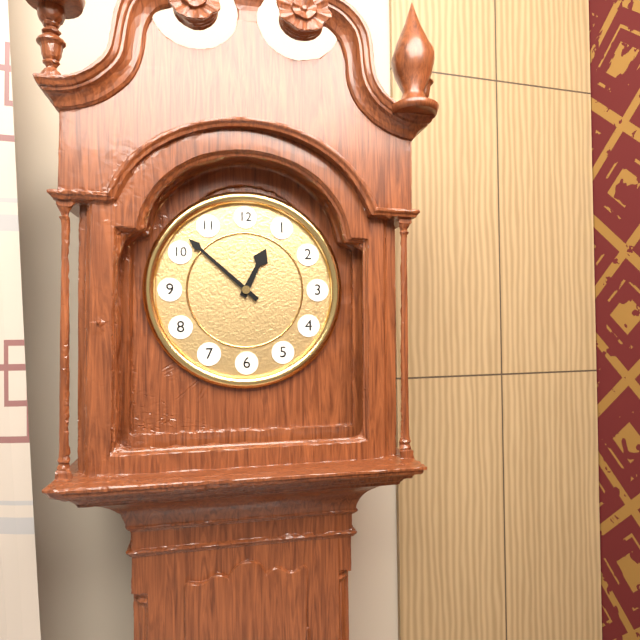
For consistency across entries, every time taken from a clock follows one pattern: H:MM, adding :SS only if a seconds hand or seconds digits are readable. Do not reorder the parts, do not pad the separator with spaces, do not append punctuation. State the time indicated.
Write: 12:52
